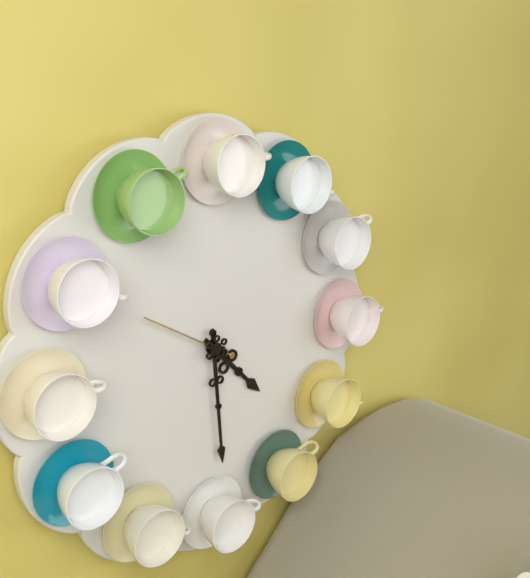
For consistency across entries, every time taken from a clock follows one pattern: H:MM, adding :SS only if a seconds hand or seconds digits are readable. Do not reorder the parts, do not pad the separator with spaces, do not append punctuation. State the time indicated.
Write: 4:29:50
